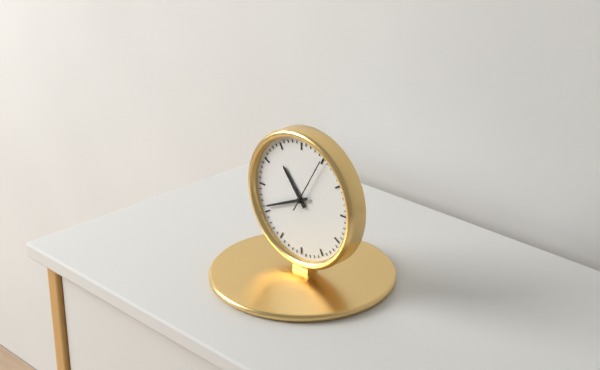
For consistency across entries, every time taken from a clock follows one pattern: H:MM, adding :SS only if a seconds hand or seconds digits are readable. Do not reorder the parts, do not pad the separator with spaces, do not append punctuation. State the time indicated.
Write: 10:41:05
